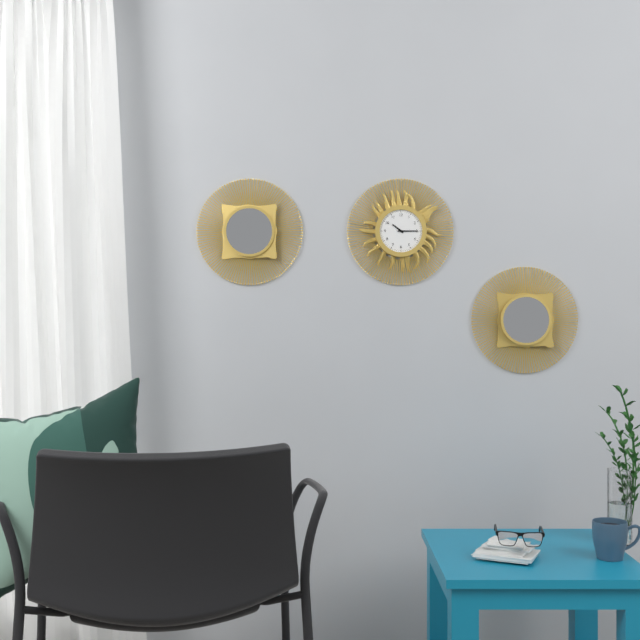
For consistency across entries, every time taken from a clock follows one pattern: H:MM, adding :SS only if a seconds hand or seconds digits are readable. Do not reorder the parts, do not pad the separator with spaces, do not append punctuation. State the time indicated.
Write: 10:15
